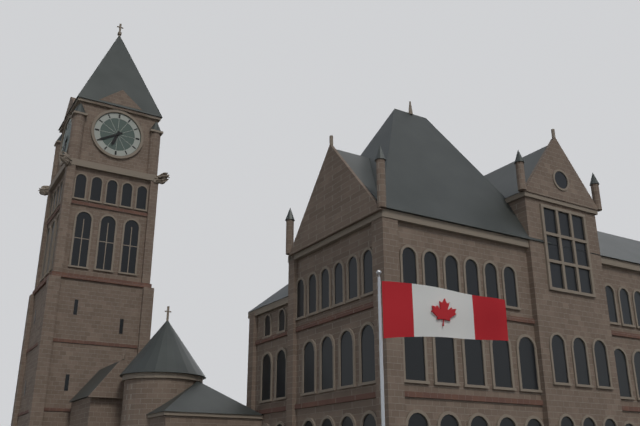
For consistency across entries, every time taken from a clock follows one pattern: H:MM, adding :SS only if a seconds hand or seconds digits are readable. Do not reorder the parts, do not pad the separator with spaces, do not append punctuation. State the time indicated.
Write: 6:40
